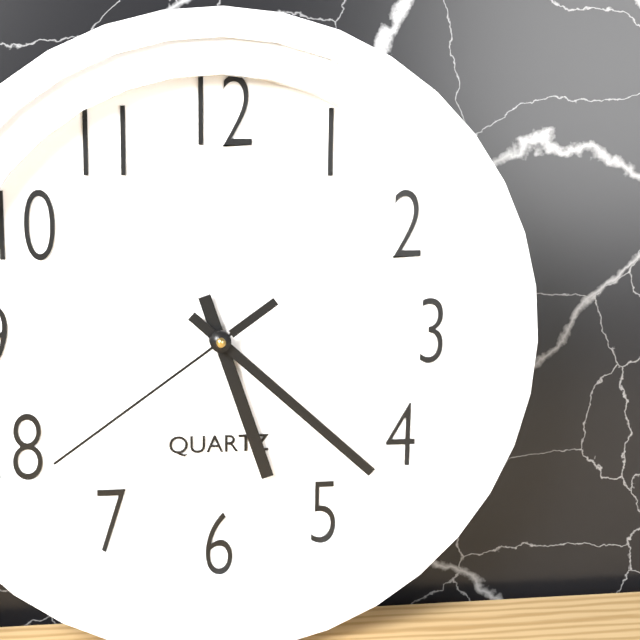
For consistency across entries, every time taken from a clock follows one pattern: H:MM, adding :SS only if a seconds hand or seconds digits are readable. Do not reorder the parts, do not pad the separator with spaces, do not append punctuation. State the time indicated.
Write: 5:22:39
